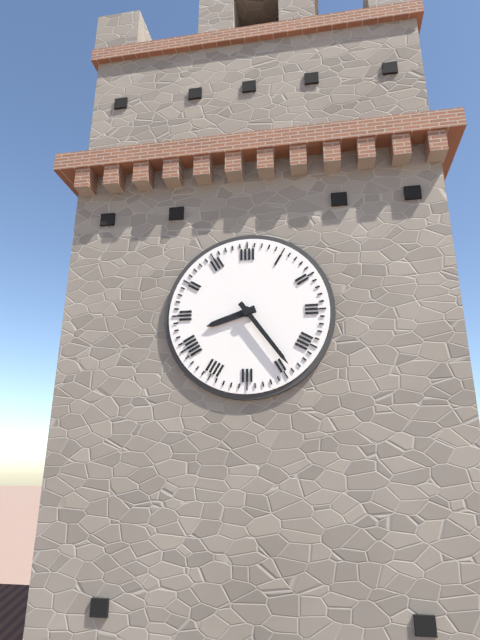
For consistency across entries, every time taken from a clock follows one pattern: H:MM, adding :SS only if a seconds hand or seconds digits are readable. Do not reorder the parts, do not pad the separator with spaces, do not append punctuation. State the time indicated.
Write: 8:24
